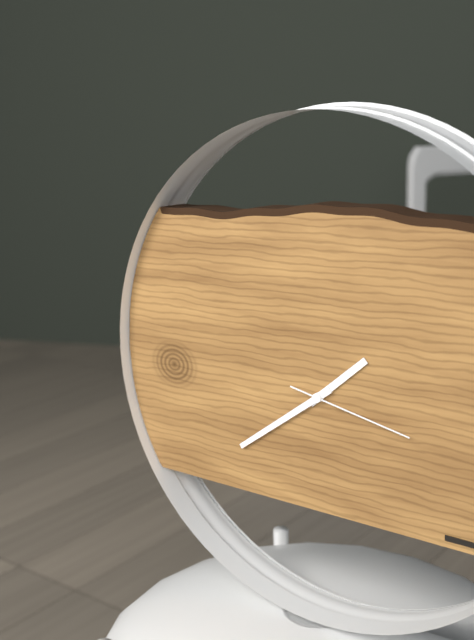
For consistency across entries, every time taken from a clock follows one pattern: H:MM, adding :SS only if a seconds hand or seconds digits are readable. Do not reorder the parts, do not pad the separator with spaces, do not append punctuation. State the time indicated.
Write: 1:39:17
